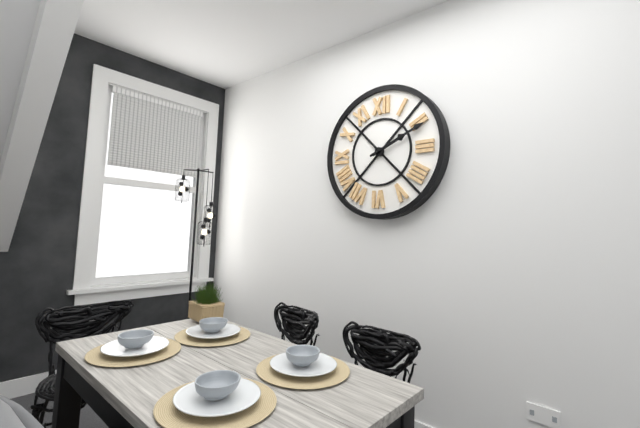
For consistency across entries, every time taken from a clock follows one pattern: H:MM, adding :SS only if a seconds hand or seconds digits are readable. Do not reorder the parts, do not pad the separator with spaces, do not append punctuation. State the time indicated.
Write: 2:11
